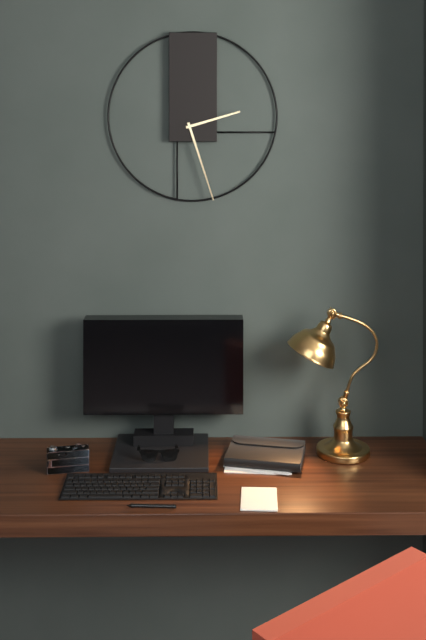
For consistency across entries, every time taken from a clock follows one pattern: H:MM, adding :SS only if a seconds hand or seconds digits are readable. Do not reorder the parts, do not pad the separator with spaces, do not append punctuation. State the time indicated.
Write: 2:27
